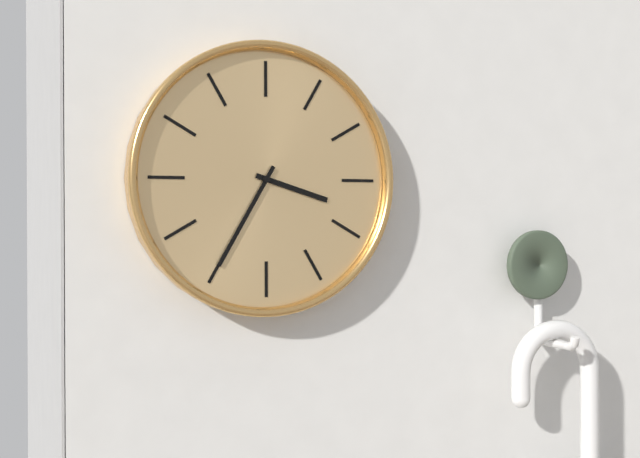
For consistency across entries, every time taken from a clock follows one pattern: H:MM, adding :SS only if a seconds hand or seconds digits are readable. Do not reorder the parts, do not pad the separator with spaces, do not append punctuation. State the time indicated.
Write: 3:35
